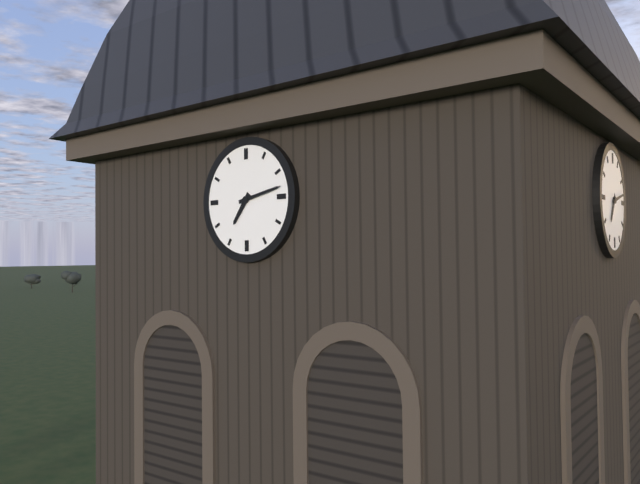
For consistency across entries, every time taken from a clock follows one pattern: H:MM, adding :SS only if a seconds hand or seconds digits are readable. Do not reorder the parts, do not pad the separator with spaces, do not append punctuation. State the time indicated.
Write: 7:13
